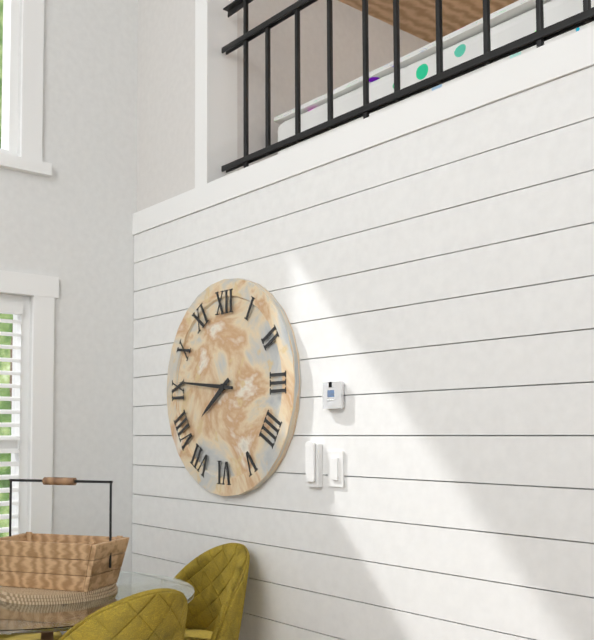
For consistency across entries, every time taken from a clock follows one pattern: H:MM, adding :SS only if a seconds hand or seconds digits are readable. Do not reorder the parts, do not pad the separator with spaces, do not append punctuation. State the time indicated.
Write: 7:46
